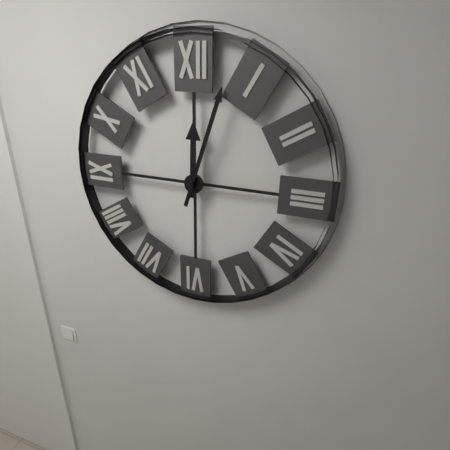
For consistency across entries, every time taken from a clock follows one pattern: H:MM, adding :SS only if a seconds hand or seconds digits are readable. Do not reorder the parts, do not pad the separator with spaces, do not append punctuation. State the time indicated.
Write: 12:03
